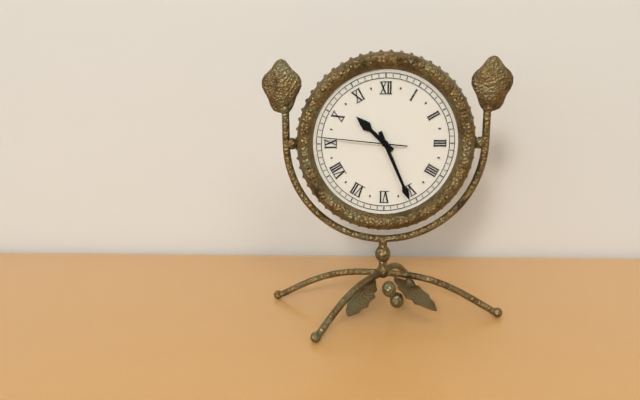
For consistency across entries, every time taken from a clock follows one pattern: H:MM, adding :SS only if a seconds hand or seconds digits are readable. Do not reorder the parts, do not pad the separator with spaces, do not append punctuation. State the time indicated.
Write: 10:26:46
